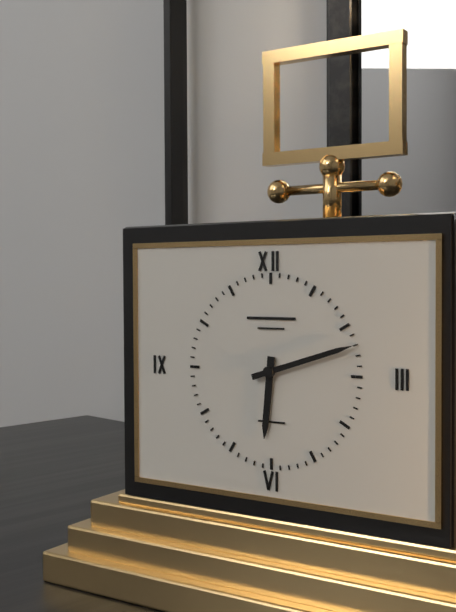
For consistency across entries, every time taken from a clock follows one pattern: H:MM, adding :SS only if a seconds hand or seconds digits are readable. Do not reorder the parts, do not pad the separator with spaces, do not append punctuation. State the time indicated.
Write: 6:12
